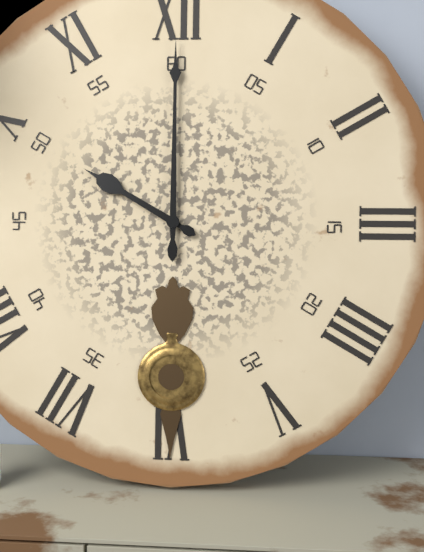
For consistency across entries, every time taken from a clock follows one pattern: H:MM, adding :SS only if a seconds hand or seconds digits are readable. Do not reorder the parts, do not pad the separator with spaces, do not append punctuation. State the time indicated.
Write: 10:00
